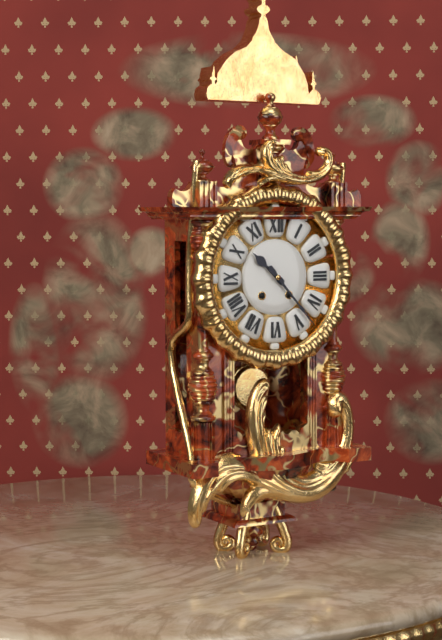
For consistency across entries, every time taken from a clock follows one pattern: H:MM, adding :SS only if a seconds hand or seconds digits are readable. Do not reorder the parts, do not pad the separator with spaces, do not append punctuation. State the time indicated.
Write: 10:23
